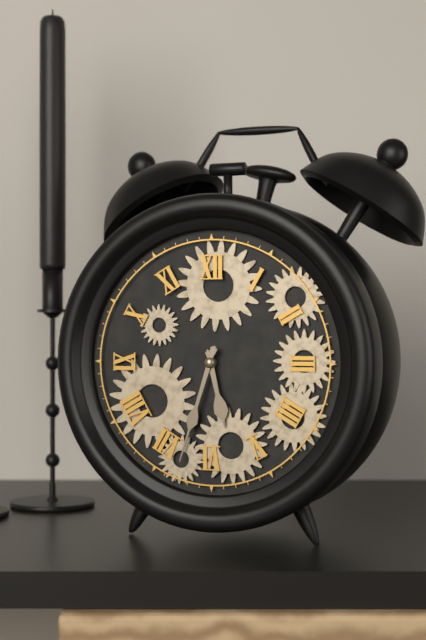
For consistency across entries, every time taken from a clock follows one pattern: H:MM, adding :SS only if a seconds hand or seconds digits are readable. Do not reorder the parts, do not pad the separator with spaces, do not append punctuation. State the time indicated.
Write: 5:33
